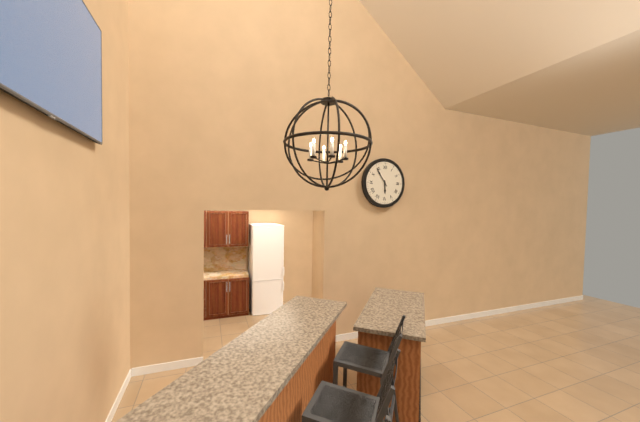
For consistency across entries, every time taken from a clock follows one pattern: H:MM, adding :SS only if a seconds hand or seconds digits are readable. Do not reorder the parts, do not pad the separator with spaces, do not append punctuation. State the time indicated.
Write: 5:54
